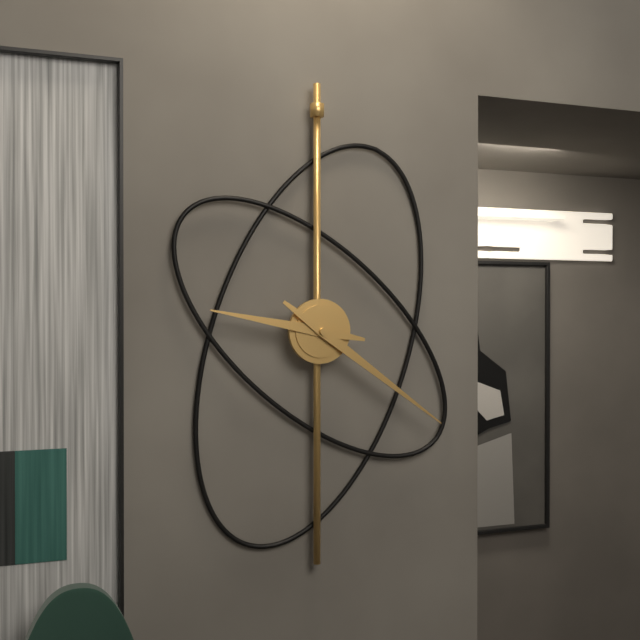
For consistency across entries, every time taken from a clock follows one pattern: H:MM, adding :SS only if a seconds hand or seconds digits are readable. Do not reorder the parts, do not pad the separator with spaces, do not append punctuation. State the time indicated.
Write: 9:21
